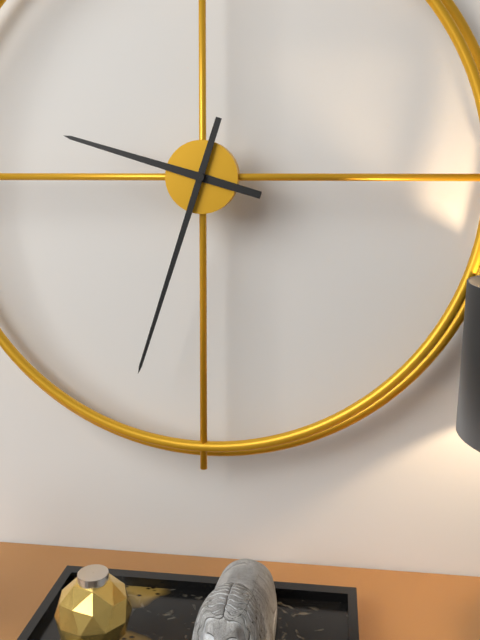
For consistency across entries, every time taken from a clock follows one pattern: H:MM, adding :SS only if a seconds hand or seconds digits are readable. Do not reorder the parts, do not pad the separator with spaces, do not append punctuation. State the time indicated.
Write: 9:33
